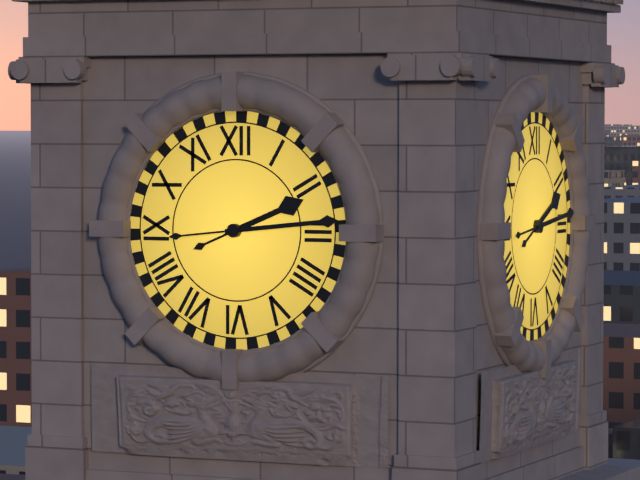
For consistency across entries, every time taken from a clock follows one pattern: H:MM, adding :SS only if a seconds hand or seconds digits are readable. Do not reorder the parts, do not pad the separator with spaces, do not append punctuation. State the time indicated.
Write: 2:14
